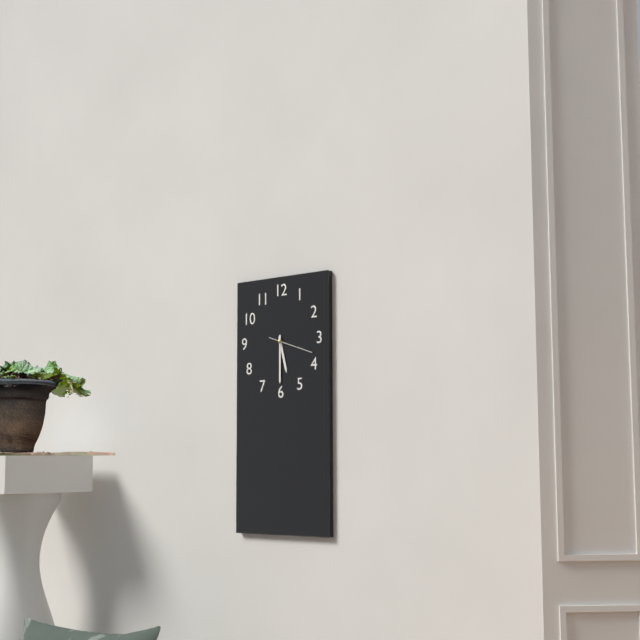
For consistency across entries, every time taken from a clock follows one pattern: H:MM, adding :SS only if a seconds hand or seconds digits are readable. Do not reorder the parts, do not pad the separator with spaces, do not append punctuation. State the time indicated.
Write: 5:30
